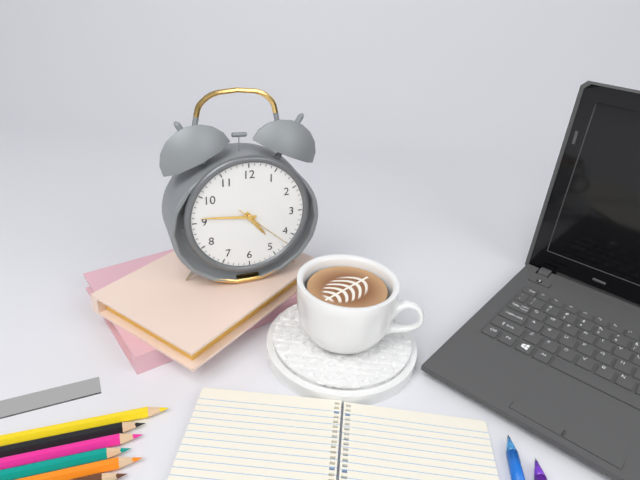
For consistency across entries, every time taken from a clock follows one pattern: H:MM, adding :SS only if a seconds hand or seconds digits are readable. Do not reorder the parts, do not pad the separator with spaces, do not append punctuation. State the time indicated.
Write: 4:46:22
